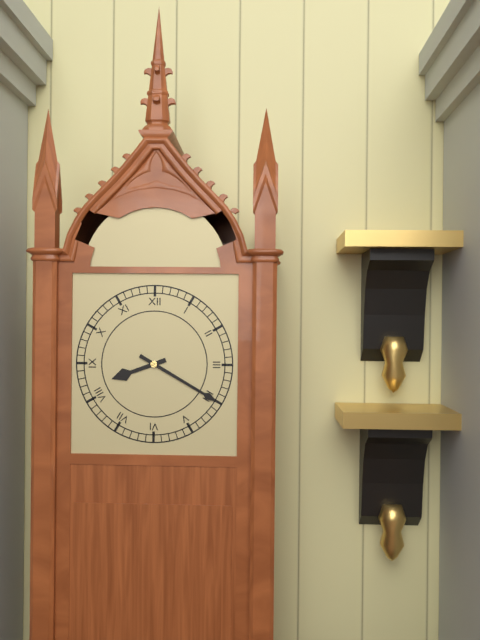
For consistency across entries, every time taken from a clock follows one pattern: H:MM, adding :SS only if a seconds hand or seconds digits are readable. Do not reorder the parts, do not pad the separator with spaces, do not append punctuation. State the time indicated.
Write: 8:20
